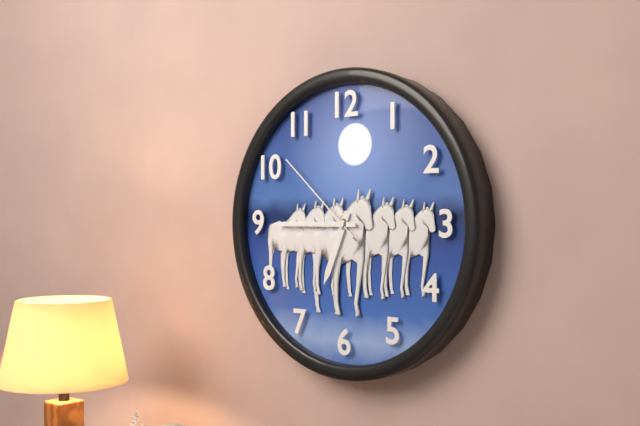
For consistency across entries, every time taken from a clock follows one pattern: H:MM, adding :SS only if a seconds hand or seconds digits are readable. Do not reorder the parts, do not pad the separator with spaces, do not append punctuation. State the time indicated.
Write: 6:45:52
